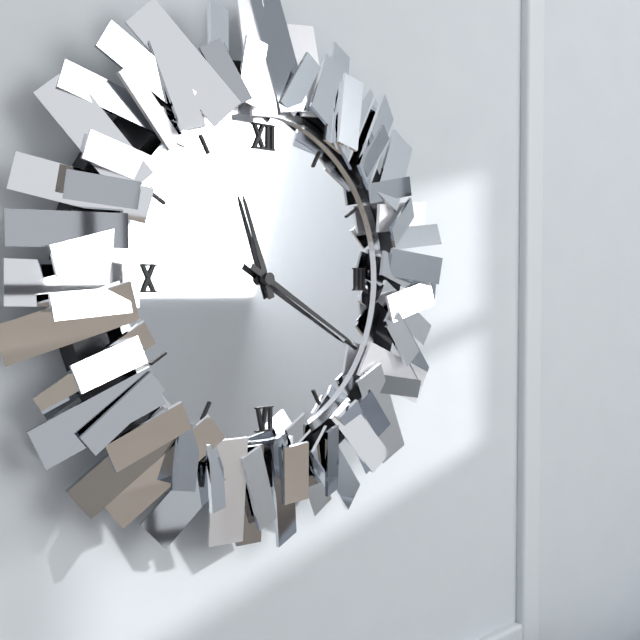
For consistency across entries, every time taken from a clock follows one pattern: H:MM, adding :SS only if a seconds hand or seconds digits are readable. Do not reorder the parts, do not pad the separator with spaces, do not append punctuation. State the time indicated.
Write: 11:20
